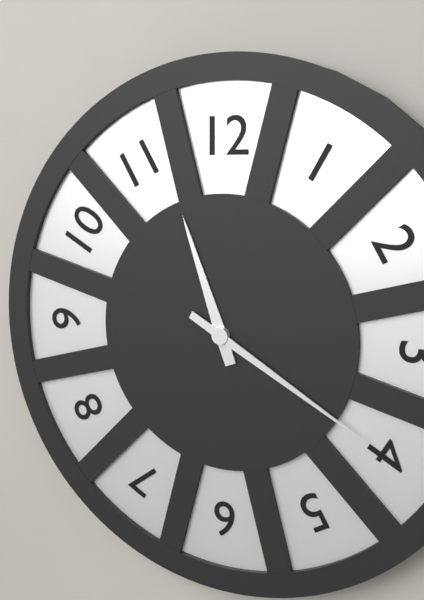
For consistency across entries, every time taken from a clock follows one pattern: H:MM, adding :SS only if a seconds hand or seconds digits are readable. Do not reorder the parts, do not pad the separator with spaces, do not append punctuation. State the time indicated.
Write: 11:20
